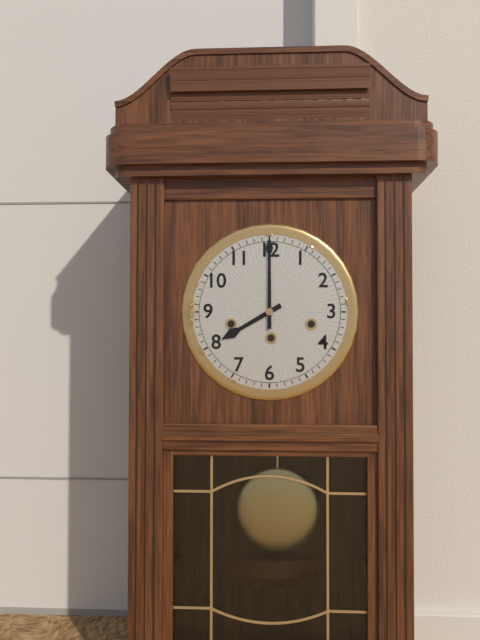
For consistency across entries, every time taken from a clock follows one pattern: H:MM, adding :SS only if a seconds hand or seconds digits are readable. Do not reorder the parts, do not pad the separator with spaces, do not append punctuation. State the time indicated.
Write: 8:00
